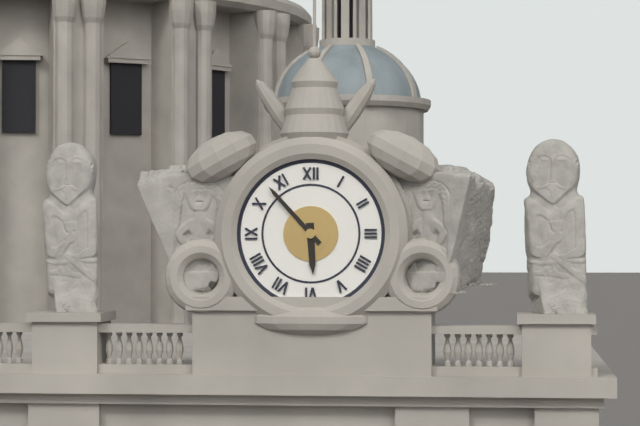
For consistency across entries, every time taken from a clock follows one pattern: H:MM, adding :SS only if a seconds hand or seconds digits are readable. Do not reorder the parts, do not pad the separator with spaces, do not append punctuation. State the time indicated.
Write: 5:53
